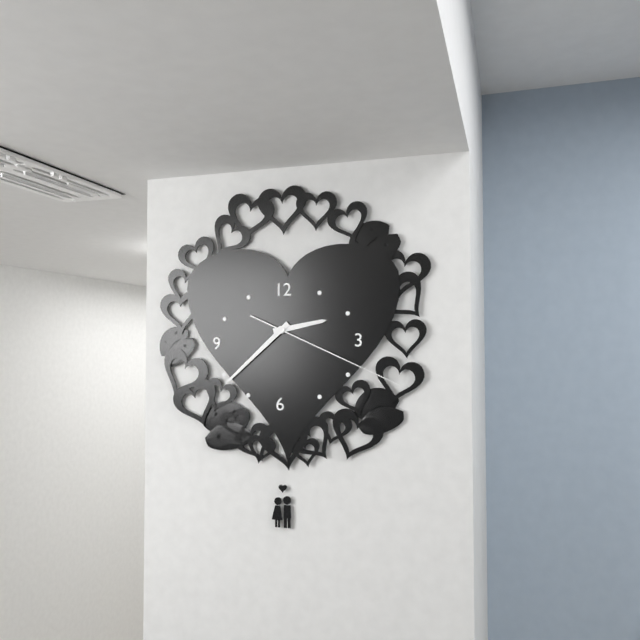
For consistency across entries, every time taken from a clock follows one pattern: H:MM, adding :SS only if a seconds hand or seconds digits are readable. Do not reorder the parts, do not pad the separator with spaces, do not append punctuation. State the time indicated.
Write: 2:38:19
